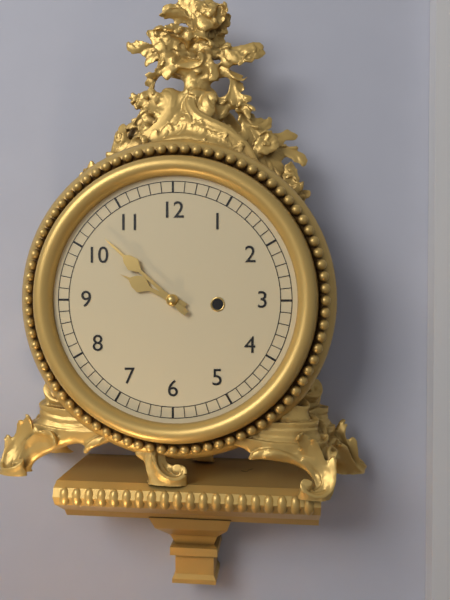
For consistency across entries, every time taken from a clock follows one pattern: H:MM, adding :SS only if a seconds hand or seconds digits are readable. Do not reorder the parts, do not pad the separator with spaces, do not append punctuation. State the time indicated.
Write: 9:52
